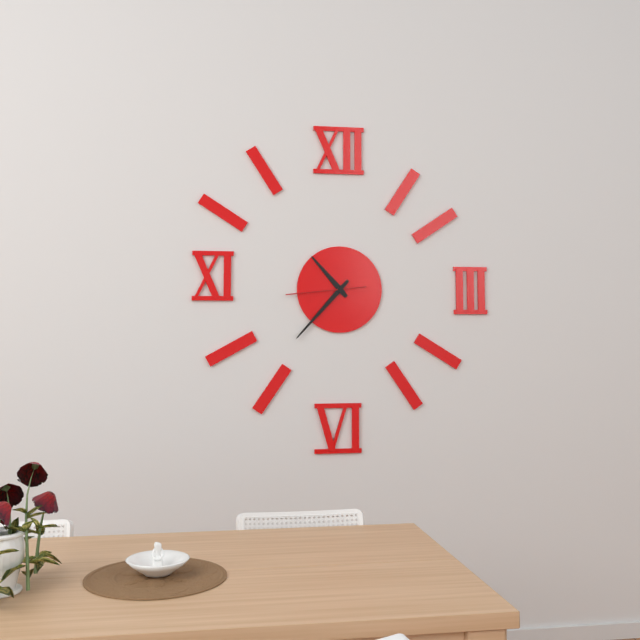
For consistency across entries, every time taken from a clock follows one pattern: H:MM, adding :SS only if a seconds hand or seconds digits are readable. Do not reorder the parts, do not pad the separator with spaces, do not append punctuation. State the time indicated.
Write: 10:37:44
